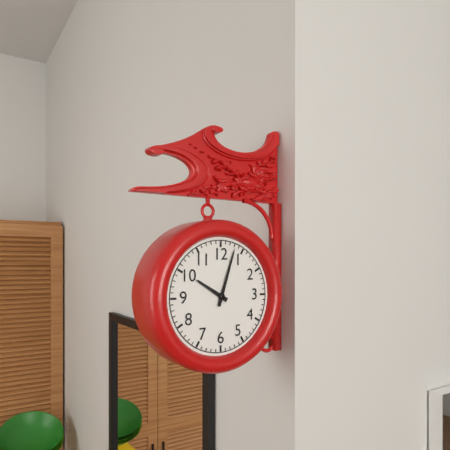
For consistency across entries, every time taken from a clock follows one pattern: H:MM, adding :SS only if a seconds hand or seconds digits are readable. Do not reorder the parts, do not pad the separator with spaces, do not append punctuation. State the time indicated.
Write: 10:03
